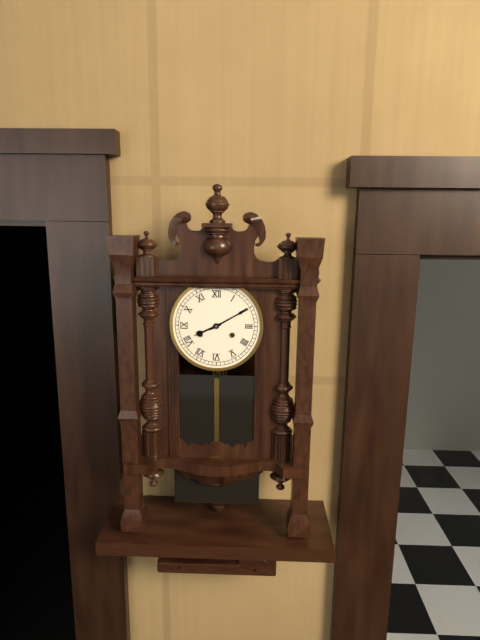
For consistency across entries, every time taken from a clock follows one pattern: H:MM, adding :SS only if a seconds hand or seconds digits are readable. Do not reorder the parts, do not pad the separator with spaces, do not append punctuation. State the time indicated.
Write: 8:10
